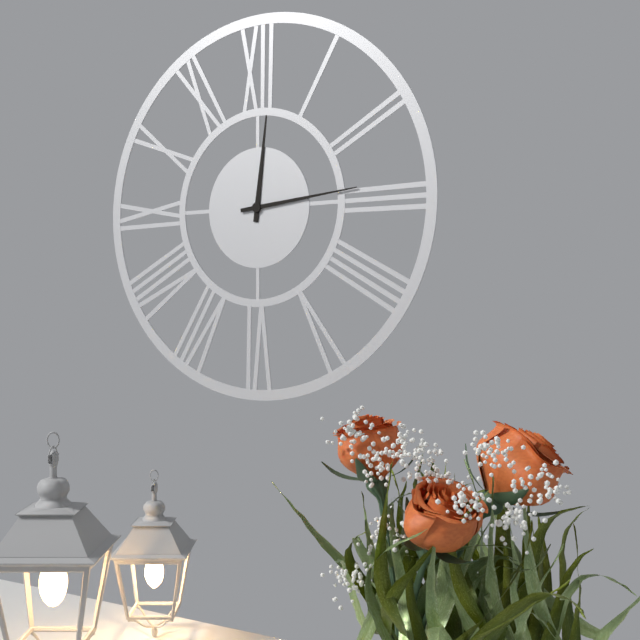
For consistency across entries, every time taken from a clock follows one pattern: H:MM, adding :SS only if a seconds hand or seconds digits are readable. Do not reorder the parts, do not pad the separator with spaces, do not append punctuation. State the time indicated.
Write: 12:14
